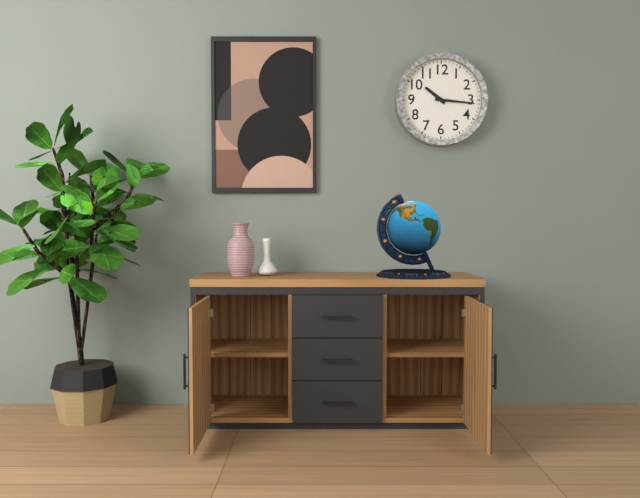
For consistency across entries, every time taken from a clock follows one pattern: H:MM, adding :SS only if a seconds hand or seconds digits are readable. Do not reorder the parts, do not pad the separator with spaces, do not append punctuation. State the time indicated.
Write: 10:16
